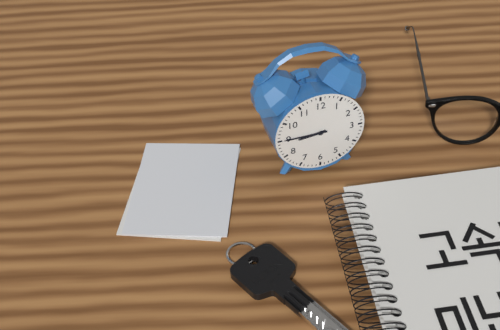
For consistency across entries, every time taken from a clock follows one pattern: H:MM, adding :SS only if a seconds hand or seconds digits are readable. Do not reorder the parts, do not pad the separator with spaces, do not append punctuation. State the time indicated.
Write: 8:45
